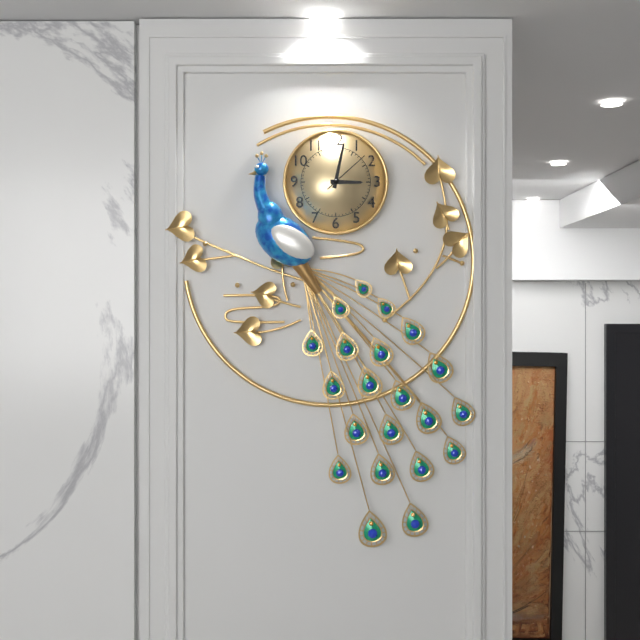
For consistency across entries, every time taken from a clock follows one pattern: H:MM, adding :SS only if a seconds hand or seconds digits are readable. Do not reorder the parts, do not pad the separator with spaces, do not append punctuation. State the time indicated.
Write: 3:02
